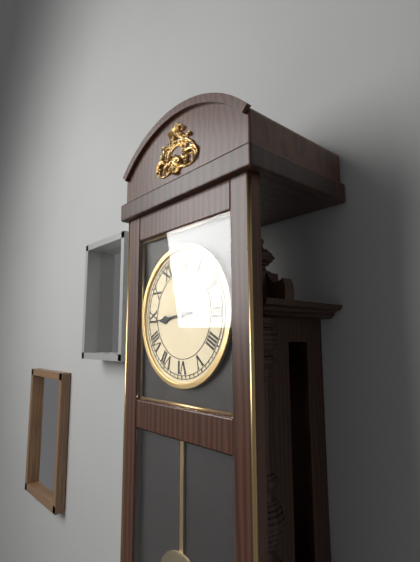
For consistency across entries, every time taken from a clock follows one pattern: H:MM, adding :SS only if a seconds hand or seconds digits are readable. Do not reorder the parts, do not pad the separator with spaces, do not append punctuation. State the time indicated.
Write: 8:44
